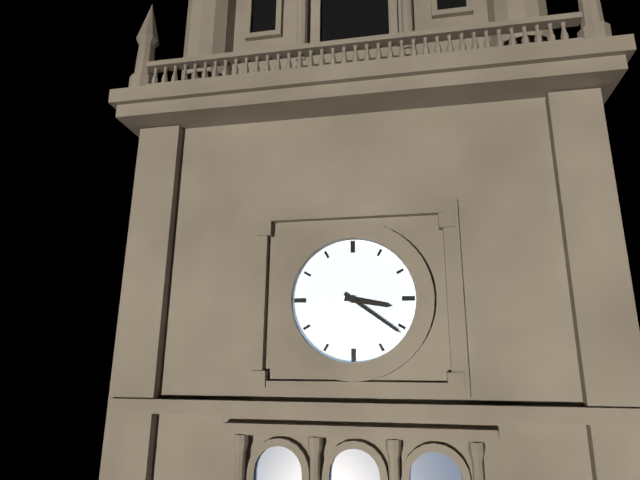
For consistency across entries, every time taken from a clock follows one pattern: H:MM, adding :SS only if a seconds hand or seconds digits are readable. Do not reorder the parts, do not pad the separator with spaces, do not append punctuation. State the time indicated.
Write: 3:21
